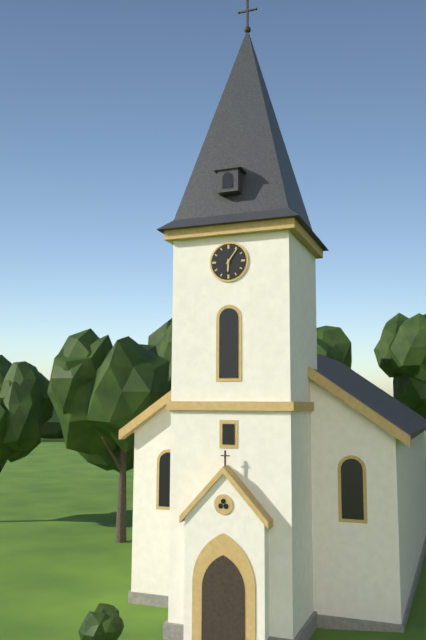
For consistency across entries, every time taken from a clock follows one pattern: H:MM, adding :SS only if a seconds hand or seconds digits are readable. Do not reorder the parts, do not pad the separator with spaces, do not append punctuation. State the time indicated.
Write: 6:06
